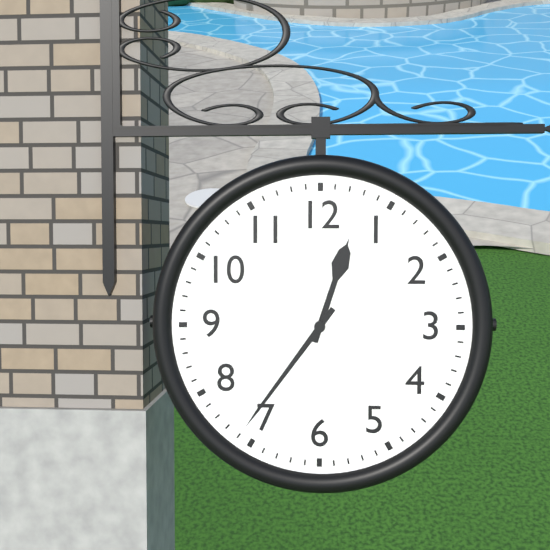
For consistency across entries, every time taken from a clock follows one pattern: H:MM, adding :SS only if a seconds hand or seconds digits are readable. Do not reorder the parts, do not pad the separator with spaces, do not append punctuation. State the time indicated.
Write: 12:36
